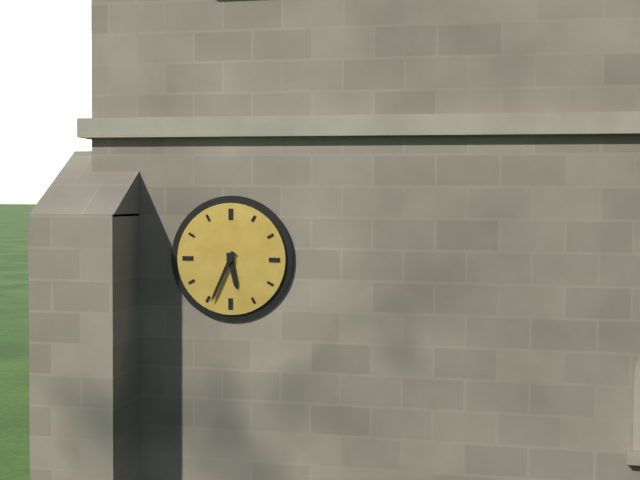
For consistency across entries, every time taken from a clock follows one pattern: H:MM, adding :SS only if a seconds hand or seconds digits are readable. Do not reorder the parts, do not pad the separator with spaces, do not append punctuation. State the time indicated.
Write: 5:34
